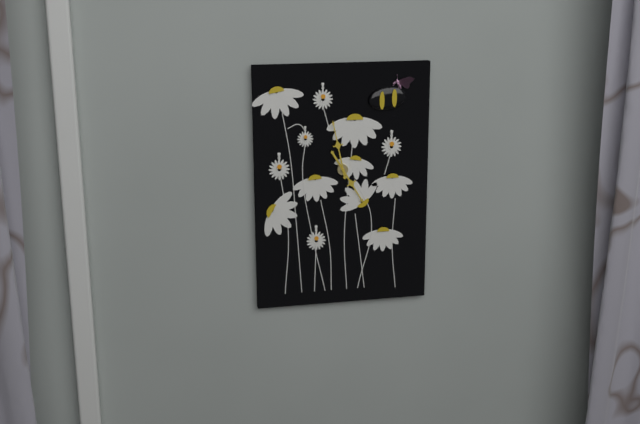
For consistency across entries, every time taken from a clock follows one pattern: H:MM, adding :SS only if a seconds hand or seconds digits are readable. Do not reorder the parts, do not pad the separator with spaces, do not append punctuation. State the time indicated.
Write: 4:58
